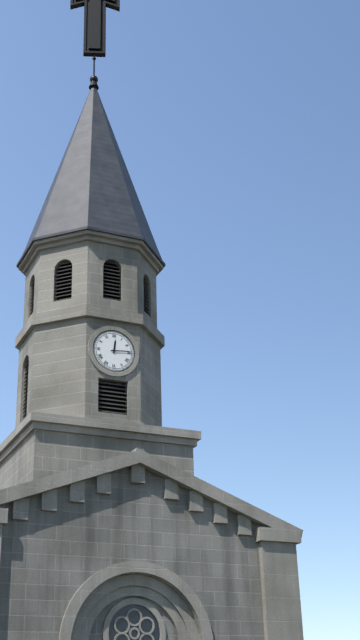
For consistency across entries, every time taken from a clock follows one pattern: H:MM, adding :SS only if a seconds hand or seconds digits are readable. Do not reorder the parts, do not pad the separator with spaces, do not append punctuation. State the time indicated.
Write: 12:14
